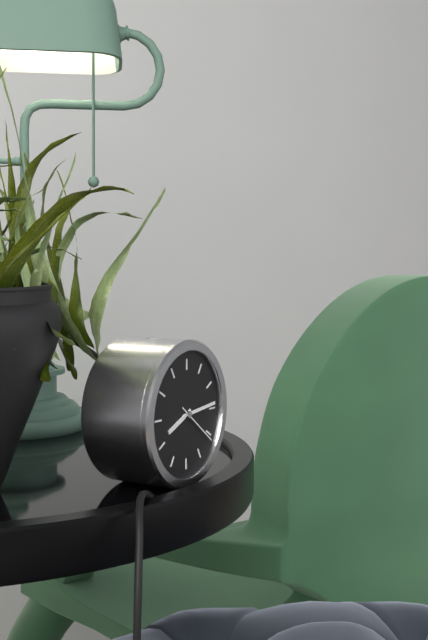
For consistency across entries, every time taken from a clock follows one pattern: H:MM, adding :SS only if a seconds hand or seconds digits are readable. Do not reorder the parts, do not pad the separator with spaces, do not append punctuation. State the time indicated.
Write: 8:14:21
